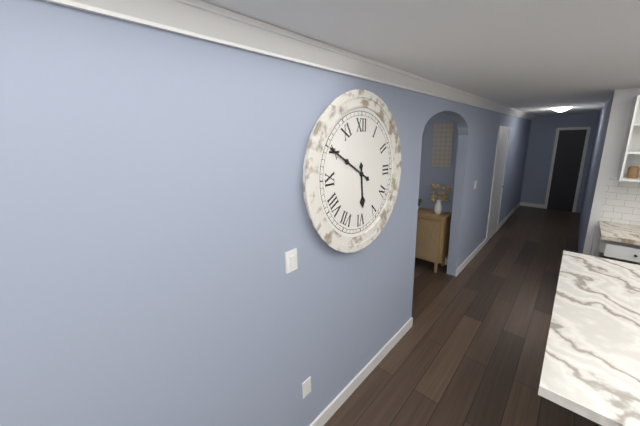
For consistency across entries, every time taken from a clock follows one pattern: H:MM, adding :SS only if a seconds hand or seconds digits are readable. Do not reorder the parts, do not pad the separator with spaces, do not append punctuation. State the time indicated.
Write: 5:50
